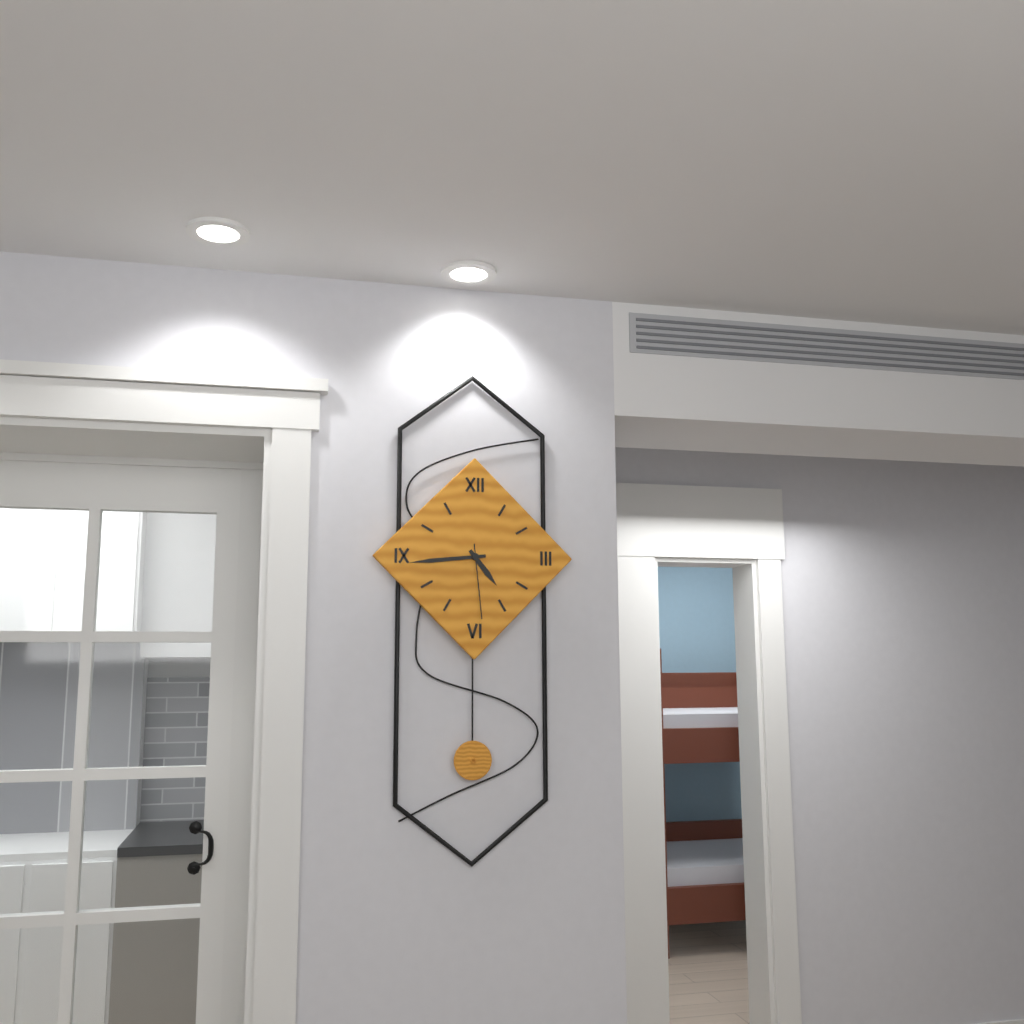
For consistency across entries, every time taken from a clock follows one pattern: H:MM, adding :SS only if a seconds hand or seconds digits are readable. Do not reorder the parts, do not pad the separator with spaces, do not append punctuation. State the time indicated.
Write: 4:44:29
